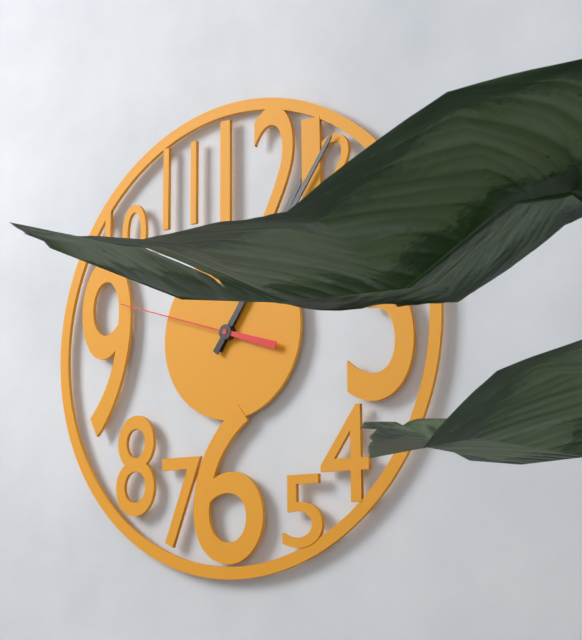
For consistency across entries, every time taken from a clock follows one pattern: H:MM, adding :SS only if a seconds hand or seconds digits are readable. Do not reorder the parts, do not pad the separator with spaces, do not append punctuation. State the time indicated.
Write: 1:06:48
